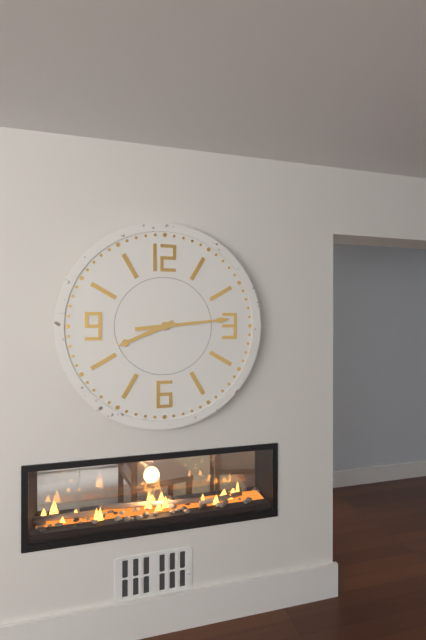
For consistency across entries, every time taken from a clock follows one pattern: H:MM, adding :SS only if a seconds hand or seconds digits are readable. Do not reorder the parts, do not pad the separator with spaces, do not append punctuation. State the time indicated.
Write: 8:14
